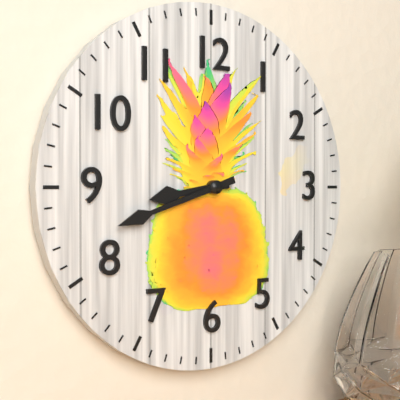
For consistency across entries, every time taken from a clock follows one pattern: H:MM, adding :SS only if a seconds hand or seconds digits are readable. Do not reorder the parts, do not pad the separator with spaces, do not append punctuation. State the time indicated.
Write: 8:42
